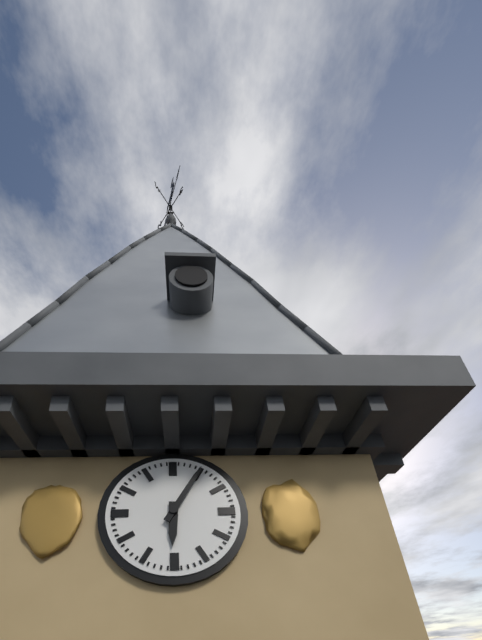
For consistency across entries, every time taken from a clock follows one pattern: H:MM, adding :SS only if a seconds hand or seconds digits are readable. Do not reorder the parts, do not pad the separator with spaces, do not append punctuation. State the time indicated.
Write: 6:05
